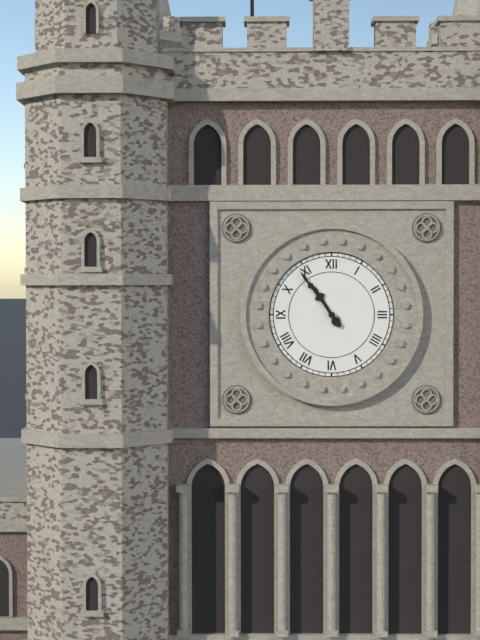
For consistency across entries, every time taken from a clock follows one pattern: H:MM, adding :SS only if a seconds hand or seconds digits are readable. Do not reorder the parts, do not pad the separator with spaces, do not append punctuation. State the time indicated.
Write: 10:54
